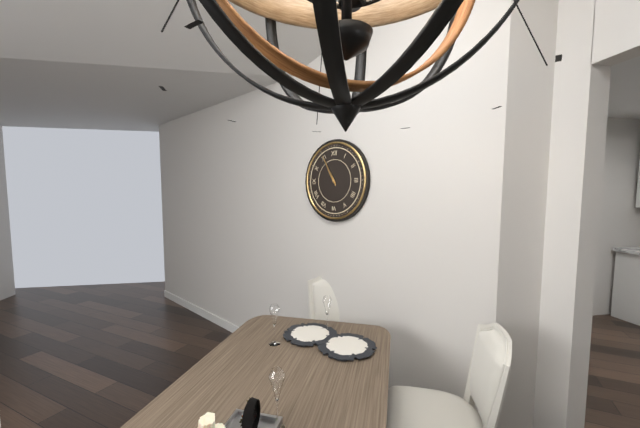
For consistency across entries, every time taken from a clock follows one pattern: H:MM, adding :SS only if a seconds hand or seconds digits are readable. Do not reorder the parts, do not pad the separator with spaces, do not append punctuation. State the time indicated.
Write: 10:55
